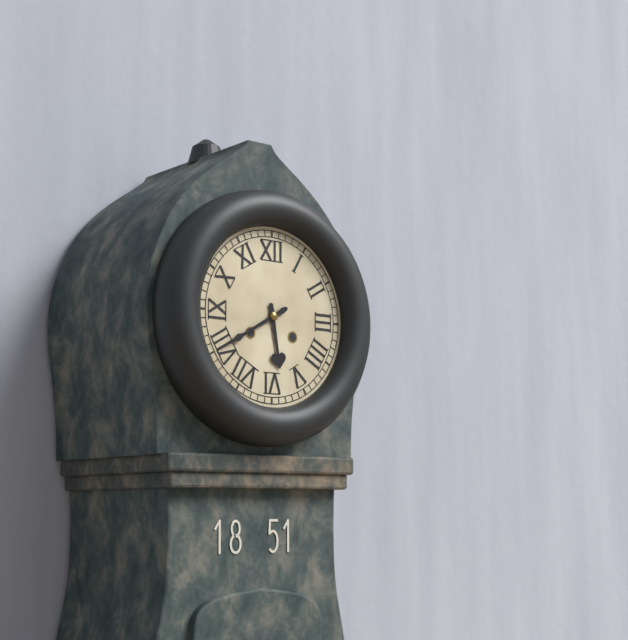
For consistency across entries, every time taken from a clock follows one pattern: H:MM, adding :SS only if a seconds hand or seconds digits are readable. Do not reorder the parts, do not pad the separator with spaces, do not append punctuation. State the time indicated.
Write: 5:40
